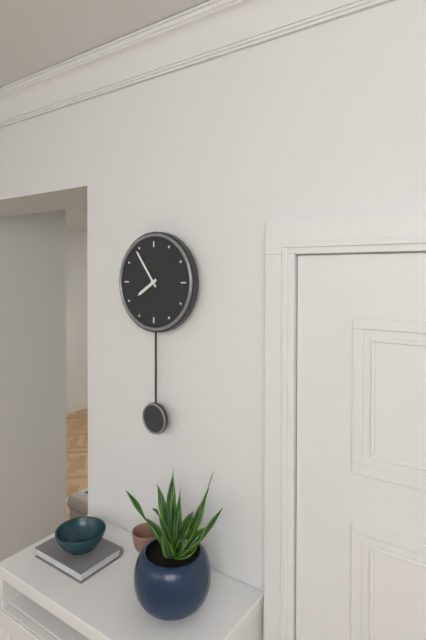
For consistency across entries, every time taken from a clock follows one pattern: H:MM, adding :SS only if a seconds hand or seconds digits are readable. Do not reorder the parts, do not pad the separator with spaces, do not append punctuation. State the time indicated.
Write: 7:54
